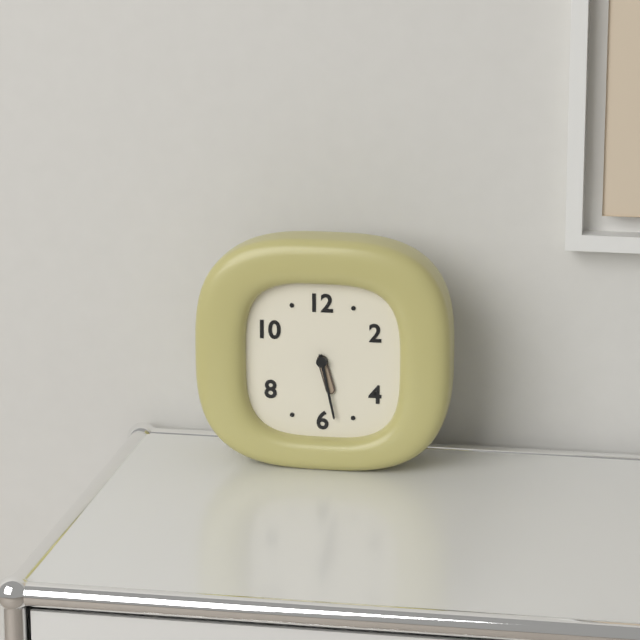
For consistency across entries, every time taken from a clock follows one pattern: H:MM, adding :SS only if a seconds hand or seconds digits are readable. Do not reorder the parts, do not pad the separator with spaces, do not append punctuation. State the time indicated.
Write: 5:28
